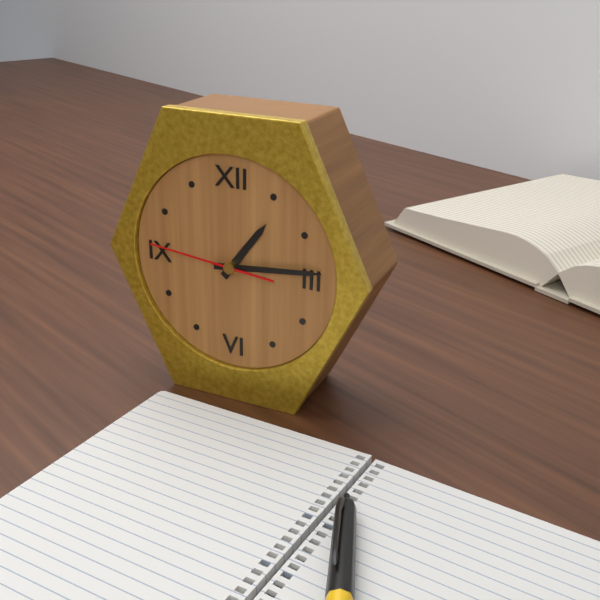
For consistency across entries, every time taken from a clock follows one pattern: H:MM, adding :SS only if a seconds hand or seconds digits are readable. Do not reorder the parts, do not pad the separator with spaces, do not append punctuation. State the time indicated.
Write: 1:14:46
